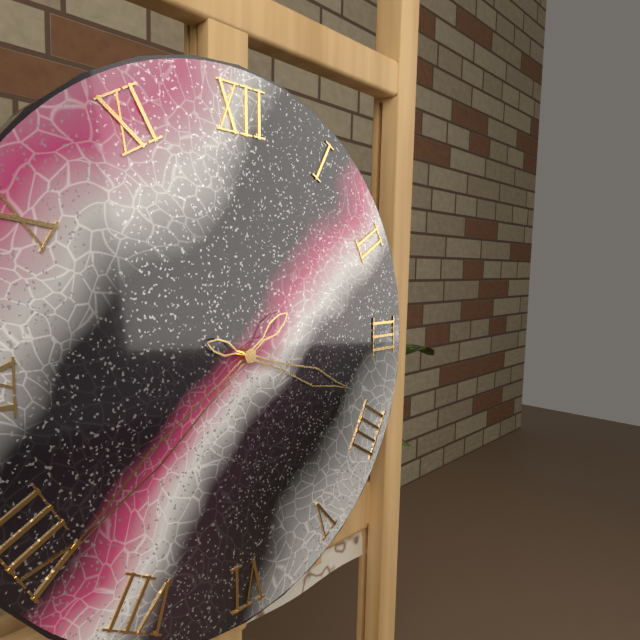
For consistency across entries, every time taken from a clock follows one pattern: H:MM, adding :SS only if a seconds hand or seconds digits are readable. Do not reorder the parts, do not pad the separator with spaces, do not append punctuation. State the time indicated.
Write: 3:39
